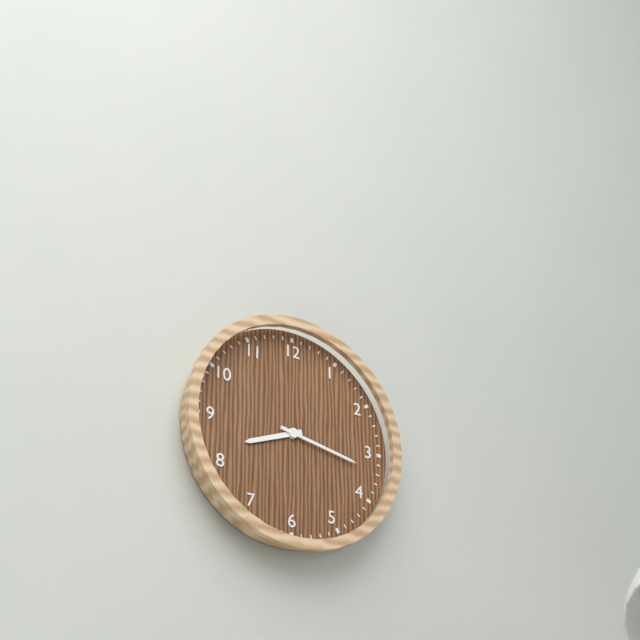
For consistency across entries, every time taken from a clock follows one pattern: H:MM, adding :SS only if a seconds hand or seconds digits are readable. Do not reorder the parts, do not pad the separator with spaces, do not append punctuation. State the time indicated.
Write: 8:17
